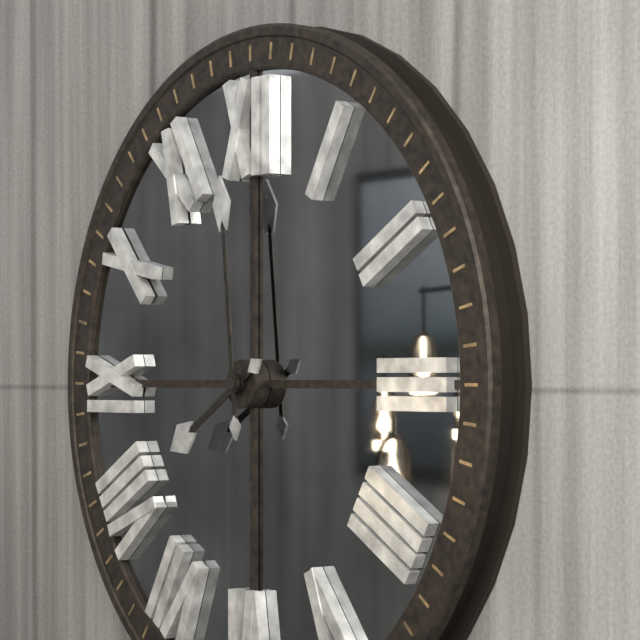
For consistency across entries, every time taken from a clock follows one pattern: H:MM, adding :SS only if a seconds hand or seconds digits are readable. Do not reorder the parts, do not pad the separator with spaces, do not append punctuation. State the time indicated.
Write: 7:59
